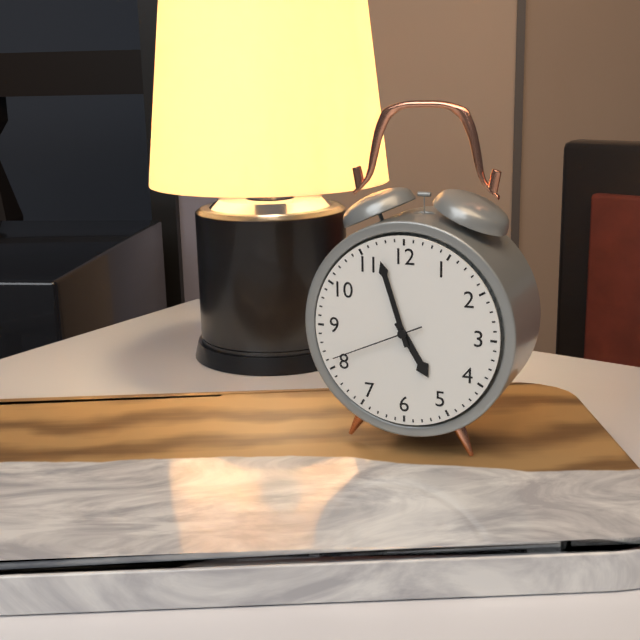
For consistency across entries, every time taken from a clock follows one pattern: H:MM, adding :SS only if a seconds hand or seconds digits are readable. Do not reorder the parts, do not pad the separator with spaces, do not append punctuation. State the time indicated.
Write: 4:57:41
